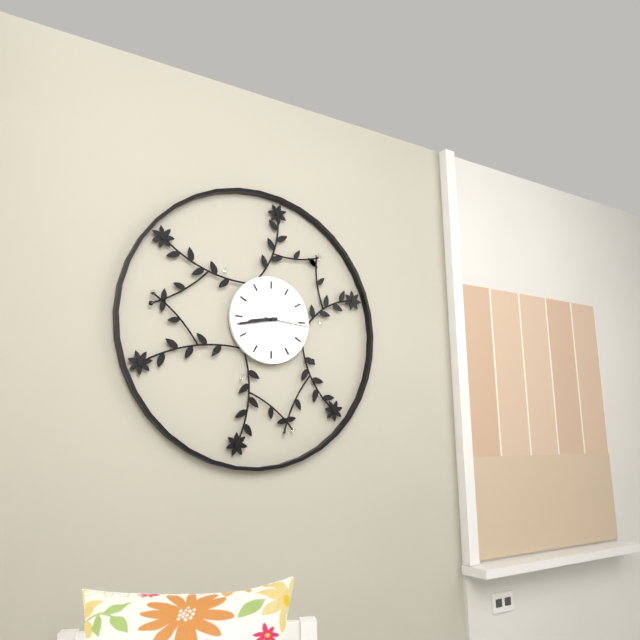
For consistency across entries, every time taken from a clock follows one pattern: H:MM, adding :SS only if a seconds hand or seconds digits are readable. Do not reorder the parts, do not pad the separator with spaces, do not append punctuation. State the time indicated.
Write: 8:43
